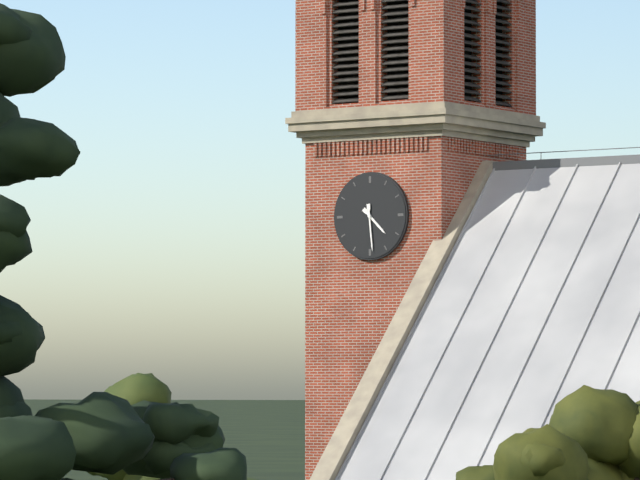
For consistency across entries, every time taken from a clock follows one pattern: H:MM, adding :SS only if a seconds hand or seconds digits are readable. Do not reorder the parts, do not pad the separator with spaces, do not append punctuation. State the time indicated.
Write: 4:29
